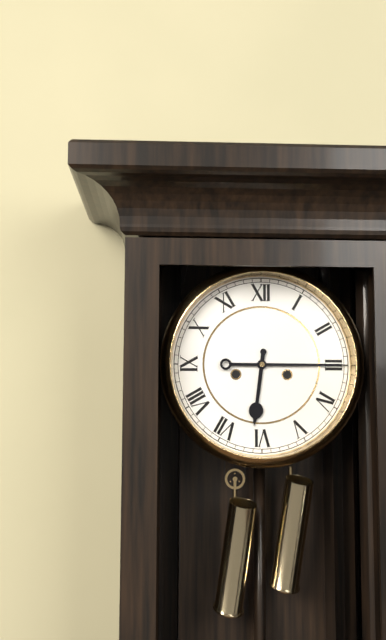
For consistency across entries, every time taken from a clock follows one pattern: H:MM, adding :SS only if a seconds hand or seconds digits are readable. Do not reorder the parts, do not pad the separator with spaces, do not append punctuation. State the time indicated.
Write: 6:15
